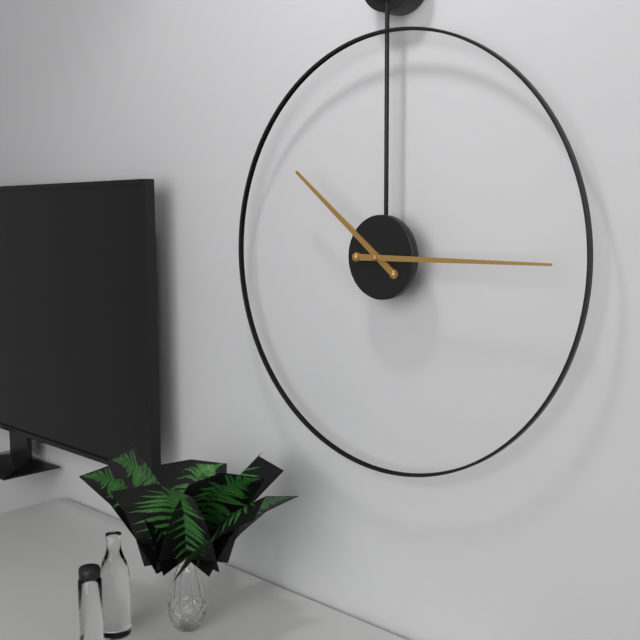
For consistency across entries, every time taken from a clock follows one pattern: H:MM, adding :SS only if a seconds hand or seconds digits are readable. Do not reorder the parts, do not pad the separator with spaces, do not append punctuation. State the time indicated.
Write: 10:15
